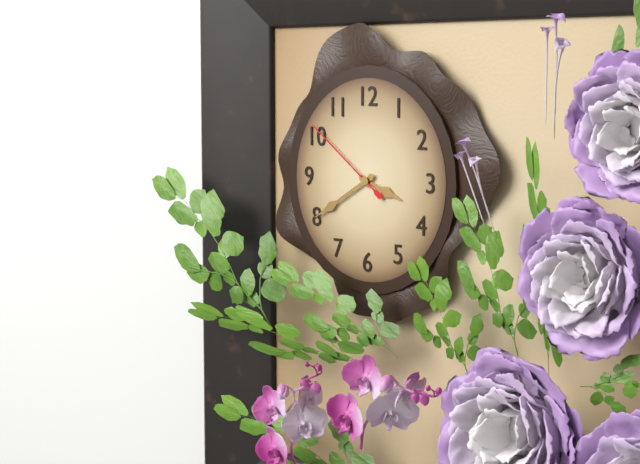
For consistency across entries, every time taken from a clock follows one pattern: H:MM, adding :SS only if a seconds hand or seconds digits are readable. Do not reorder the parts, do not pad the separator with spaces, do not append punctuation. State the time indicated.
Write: 3:40:51
